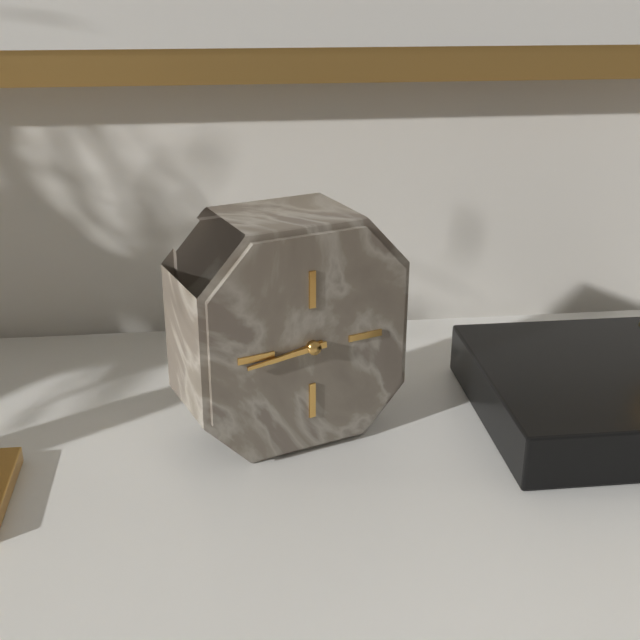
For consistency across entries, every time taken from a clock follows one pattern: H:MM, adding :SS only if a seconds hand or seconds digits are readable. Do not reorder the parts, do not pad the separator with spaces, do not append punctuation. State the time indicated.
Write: 8:44
